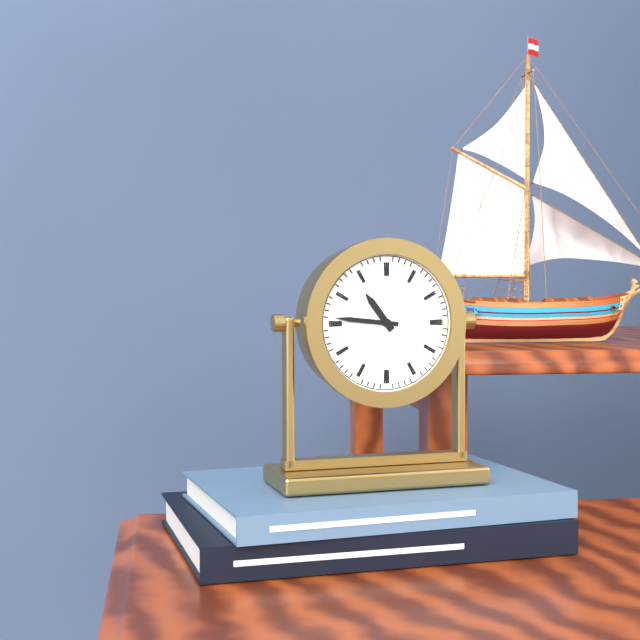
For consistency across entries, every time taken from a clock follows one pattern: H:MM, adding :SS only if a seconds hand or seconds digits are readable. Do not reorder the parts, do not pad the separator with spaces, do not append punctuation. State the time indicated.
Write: 10:46
